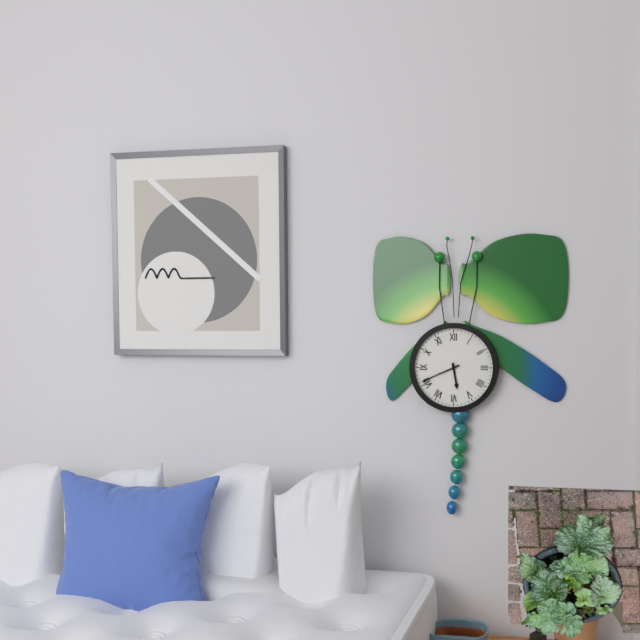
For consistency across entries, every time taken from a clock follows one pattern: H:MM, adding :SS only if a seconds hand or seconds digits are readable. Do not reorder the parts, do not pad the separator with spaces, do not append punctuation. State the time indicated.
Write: 5:41
